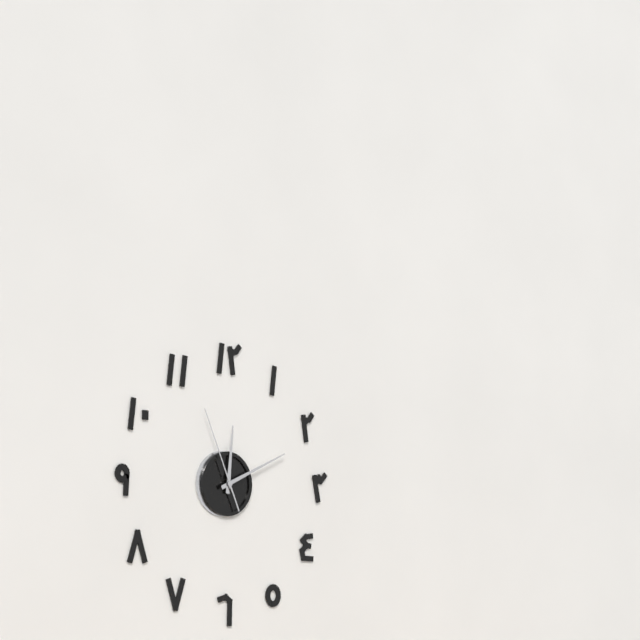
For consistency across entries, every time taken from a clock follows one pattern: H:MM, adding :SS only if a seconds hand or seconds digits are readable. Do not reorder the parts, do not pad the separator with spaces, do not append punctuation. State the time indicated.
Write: 12:11:56
